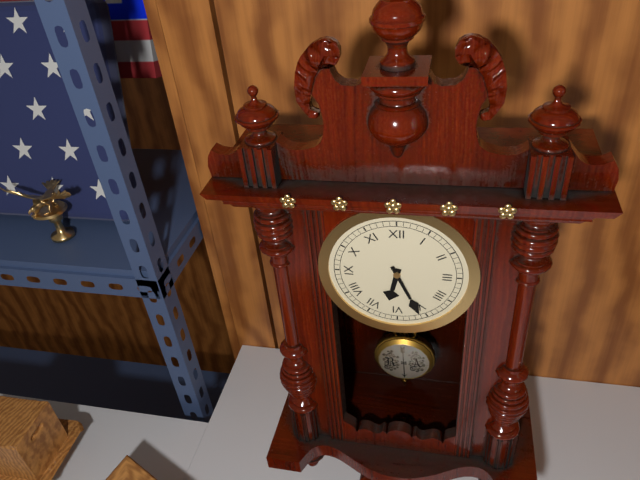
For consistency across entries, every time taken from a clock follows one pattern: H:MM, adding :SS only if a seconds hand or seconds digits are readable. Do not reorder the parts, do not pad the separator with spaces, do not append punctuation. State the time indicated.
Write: 6:26
